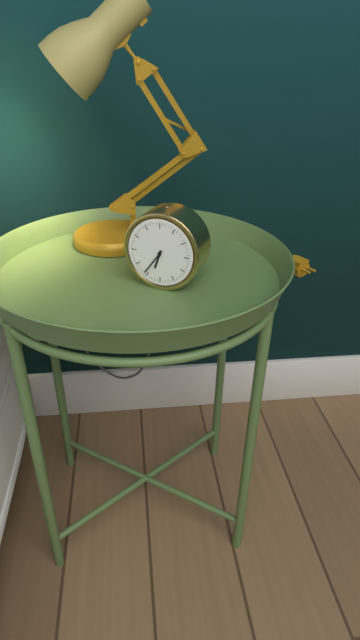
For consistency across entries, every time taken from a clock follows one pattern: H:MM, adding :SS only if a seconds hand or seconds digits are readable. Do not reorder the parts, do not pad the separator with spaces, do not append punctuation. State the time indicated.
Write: 6:36
